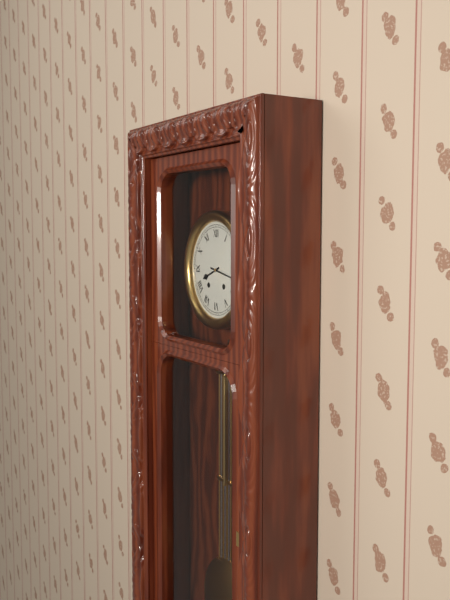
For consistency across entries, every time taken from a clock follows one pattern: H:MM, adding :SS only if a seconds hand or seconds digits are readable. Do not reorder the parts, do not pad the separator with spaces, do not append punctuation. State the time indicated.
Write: 8:17
